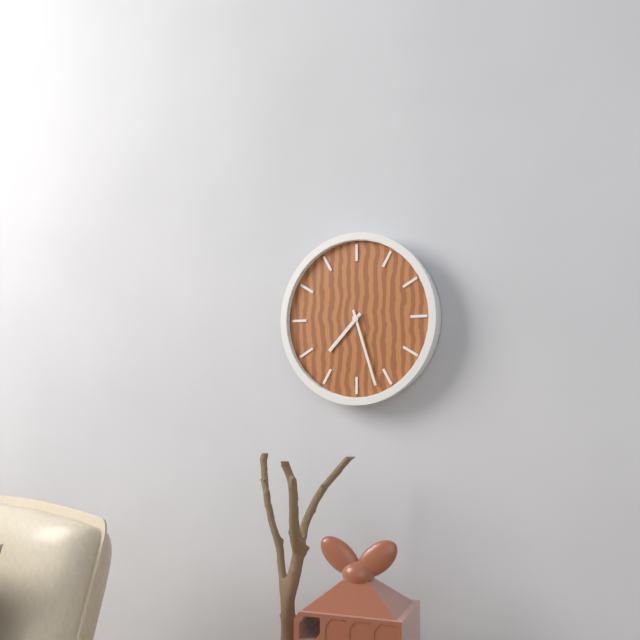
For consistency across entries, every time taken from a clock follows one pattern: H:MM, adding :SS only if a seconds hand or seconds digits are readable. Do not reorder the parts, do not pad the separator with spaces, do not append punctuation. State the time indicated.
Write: 7:27
